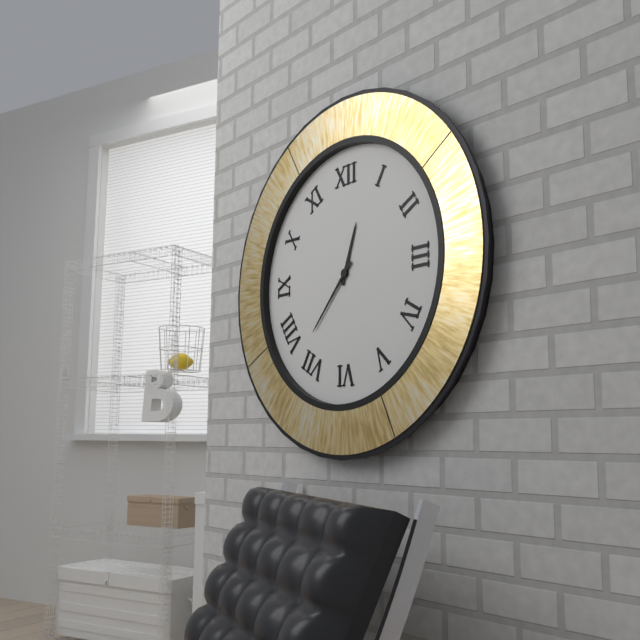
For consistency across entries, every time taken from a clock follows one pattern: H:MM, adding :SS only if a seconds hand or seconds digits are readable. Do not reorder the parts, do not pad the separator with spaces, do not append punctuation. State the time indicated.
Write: 12:37
